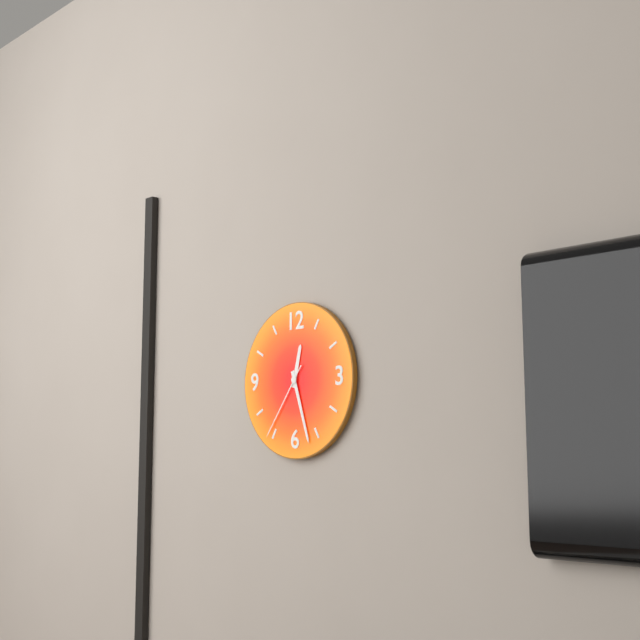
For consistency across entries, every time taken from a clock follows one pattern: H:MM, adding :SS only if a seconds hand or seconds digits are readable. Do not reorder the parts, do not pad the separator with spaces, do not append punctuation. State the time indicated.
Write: 12:27:36
